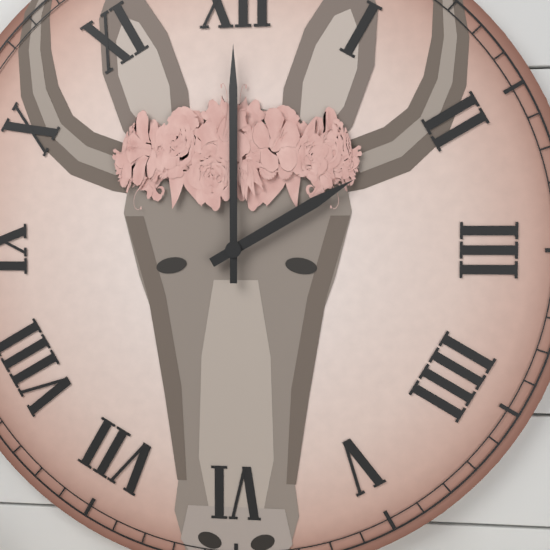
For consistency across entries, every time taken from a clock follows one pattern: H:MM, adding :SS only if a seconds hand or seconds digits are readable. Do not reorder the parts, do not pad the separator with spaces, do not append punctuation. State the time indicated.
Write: 2:00
